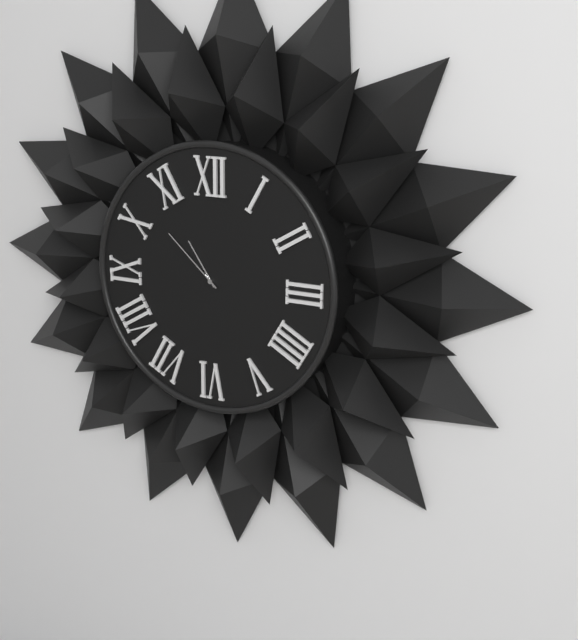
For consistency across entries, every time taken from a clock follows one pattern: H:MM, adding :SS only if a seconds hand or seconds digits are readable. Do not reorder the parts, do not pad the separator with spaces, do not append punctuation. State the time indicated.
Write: 10:52
